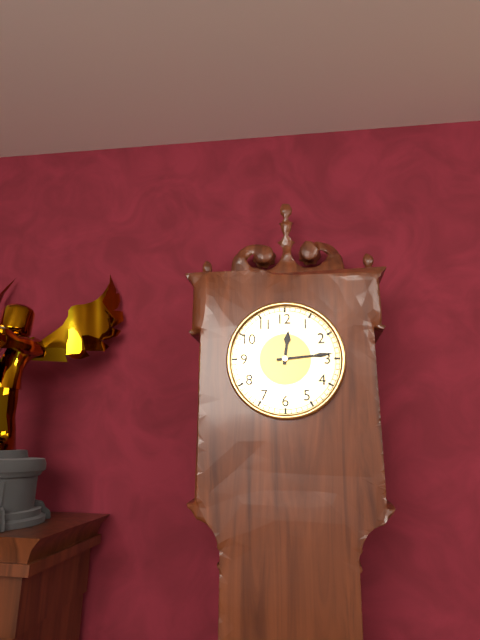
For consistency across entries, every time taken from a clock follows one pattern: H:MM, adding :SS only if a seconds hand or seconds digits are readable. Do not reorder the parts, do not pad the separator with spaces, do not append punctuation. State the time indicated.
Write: 12:14
